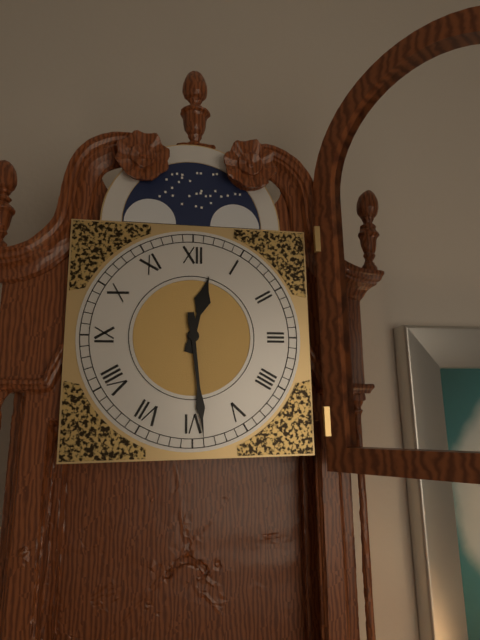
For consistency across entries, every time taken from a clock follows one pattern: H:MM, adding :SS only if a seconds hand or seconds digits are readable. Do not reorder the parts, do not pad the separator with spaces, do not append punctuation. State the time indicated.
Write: 12:29
